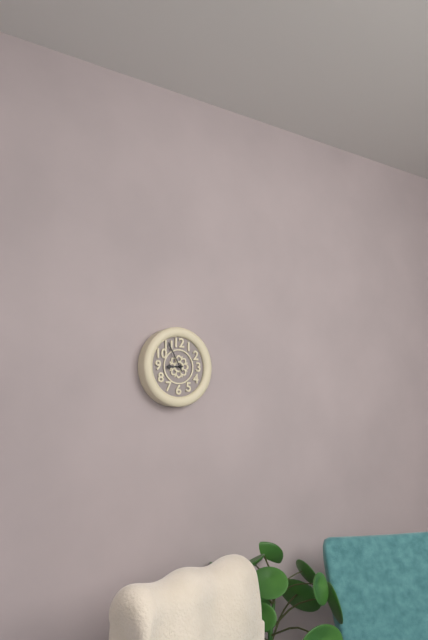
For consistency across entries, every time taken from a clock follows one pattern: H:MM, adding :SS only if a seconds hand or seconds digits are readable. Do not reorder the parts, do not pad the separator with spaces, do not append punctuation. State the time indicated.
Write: 8:55
